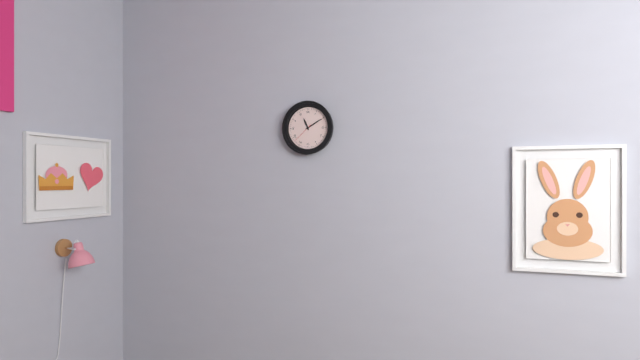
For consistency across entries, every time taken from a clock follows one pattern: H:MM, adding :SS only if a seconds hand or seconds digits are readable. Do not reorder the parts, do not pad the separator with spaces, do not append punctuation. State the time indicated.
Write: 11:10
